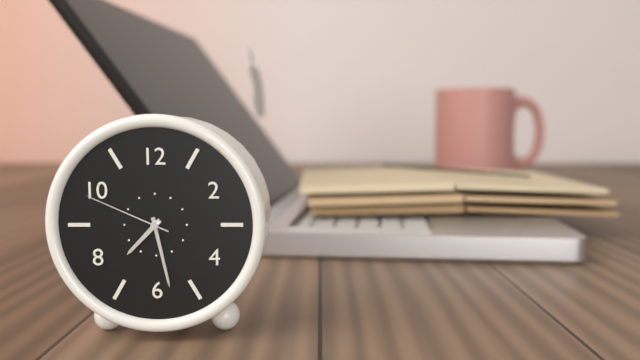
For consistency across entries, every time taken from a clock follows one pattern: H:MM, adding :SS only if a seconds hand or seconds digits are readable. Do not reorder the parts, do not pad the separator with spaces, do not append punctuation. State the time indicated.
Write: 7:28:49
